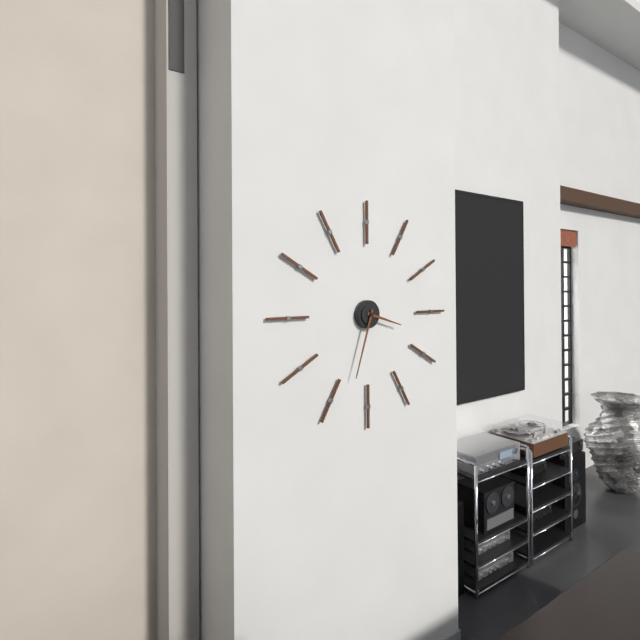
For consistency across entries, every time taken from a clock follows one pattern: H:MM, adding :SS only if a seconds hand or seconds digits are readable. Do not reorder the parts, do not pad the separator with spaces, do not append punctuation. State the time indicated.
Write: 3:33
